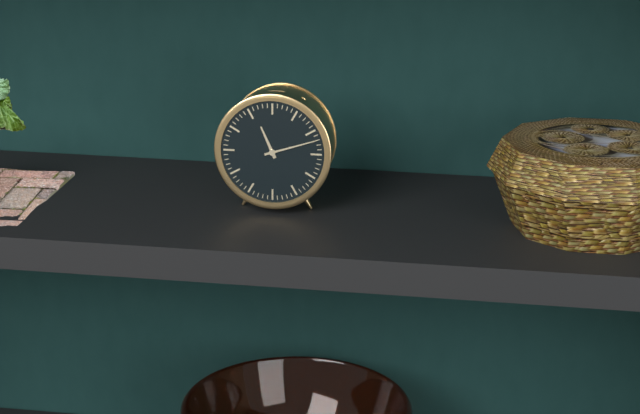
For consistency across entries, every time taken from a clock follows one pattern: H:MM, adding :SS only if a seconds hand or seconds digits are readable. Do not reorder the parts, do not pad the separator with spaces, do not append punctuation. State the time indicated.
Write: 11:12
